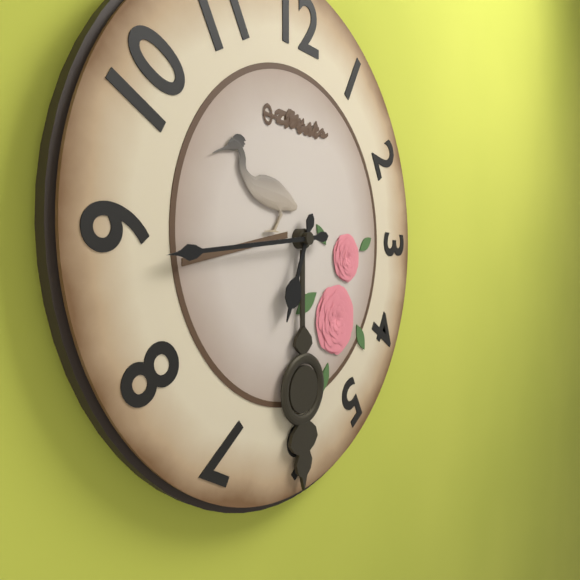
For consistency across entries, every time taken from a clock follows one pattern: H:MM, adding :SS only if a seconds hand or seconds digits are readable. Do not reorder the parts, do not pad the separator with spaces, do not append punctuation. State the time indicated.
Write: 6:44
